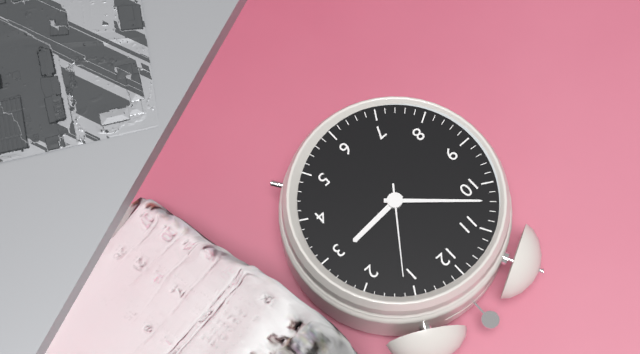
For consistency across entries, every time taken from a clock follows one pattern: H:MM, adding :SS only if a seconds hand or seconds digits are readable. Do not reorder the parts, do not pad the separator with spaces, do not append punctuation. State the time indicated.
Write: 2:52:06
